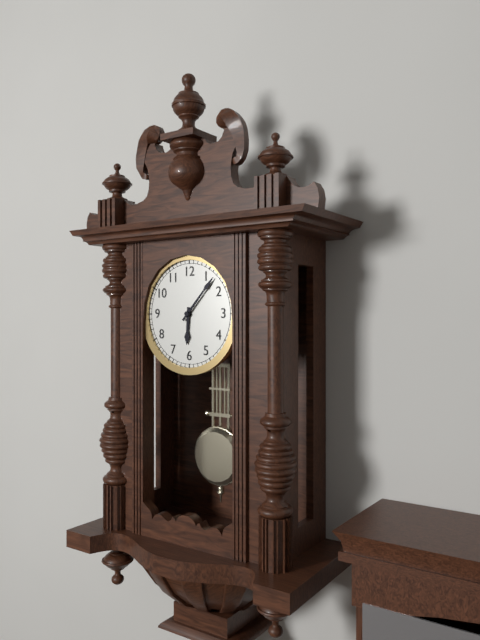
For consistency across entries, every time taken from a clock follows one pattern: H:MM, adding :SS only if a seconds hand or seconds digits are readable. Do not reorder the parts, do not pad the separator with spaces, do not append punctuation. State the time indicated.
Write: 6:07
